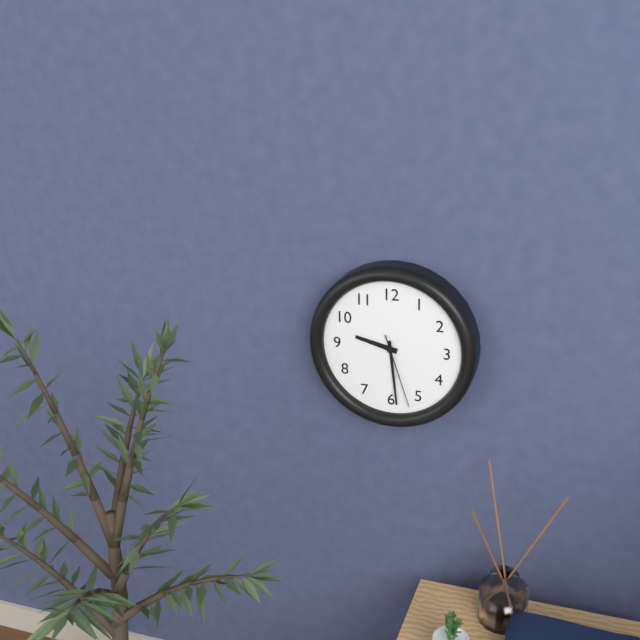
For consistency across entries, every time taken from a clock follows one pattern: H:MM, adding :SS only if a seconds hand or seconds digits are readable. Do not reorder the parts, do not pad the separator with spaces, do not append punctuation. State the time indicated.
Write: 9:29:27
